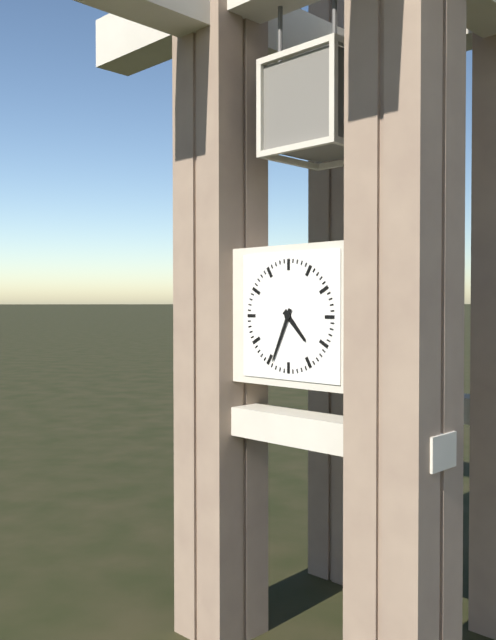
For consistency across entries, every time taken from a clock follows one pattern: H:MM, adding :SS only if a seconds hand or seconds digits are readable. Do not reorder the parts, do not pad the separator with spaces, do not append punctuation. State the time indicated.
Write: 4:34
